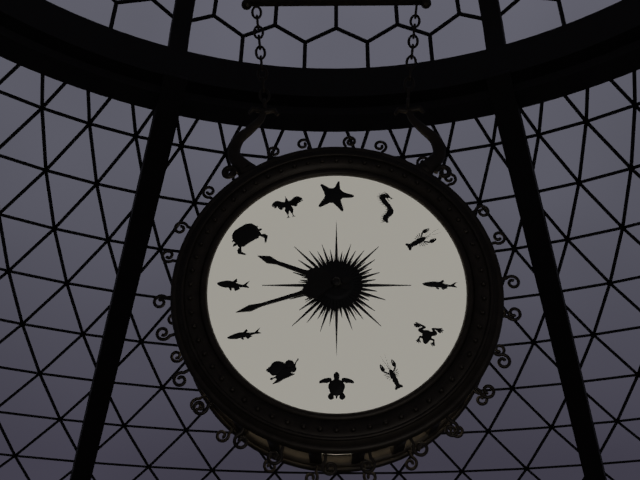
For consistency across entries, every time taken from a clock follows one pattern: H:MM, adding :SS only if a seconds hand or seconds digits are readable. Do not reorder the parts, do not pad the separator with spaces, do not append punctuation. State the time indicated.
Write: 9:42
